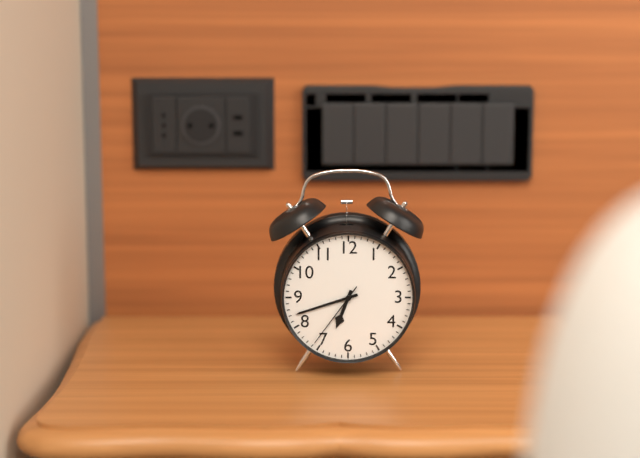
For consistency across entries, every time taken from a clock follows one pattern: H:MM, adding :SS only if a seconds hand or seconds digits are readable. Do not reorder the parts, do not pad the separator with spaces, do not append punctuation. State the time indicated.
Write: 6:42:36
